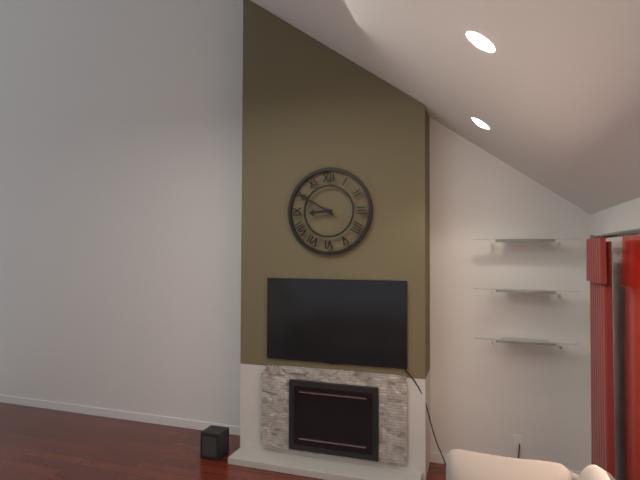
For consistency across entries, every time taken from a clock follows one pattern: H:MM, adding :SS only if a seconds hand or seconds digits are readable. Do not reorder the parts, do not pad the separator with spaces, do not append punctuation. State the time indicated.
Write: 8:50
